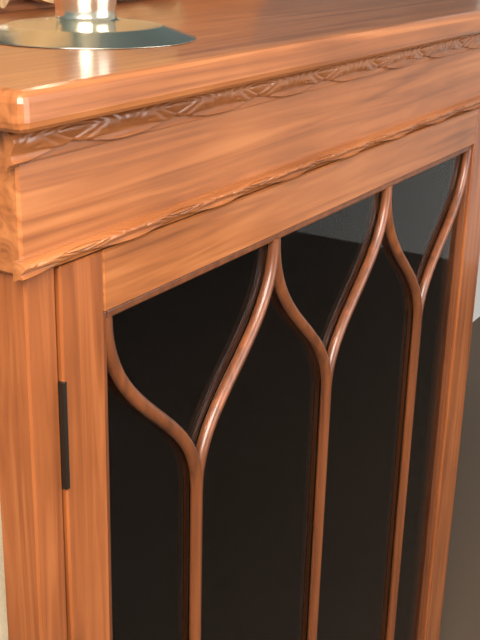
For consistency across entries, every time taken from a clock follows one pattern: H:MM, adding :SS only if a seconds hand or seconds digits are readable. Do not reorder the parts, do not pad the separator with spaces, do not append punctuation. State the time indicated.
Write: 3:33
